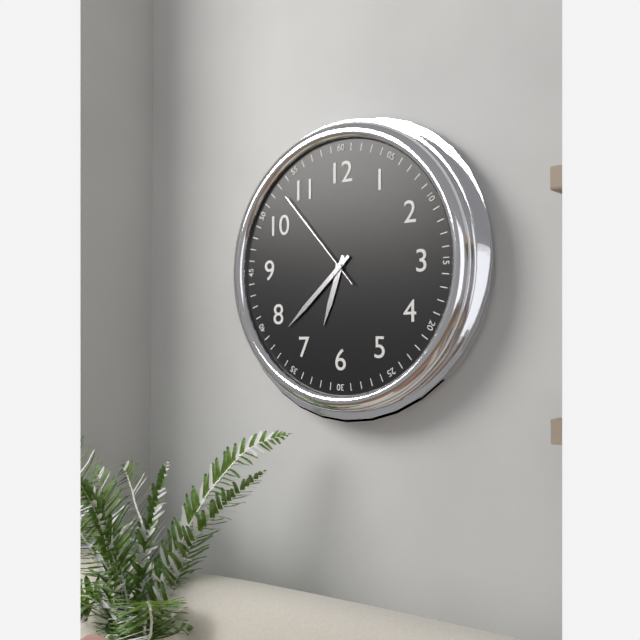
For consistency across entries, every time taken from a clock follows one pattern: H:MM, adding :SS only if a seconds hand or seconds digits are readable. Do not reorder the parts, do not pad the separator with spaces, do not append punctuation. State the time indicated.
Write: 6:38:53
